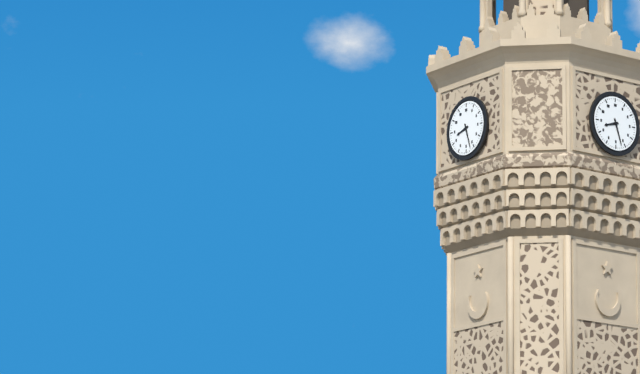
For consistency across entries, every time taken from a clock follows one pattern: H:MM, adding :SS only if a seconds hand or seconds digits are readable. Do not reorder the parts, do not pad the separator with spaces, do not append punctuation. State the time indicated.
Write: 8:27
